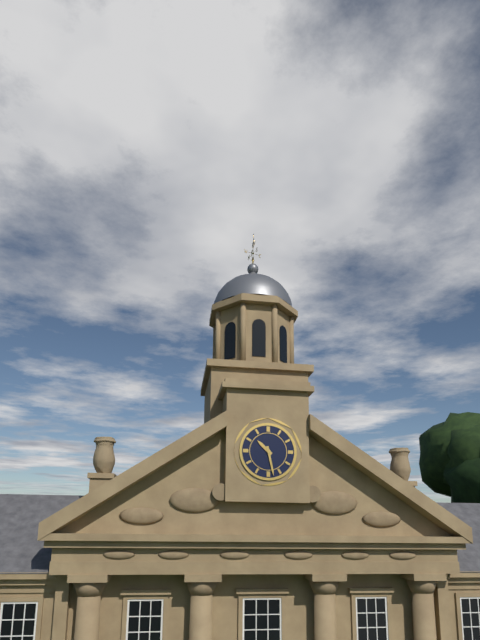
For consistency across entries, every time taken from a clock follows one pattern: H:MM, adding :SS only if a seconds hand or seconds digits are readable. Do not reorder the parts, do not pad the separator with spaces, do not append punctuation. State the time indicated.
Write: 10:28
